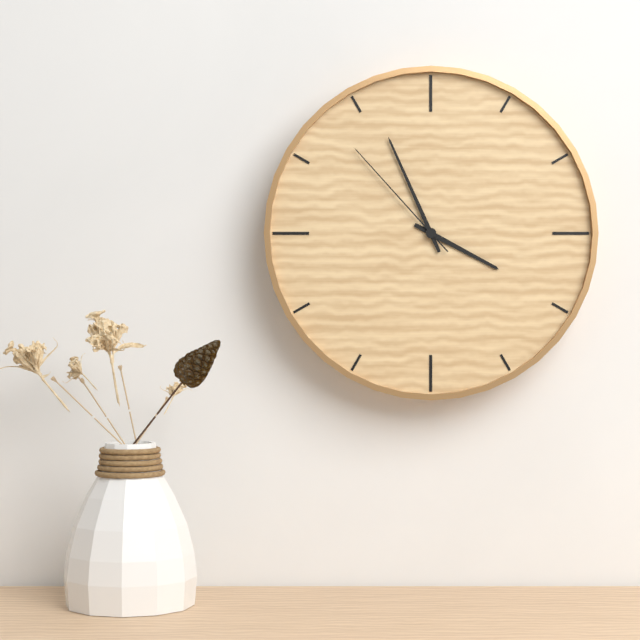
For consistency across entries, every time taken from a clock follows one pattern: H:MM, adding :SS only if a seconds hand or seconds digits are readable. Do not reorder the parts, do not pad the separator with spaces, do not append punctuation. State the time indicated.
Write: 3:56:53
